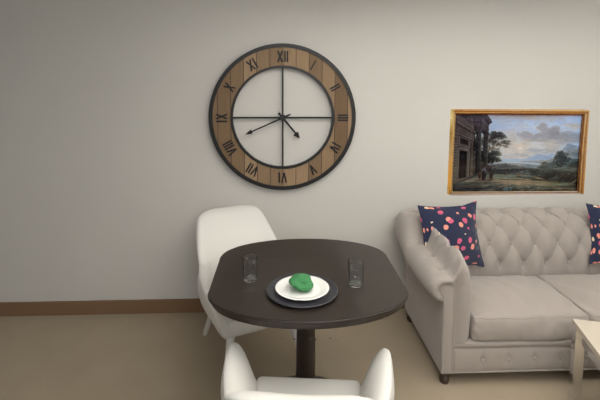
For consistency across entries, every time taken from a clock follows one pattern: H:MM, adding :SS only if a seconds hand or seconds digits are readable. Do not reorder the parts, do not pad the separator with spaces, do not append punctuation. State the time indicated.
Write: 4:41
